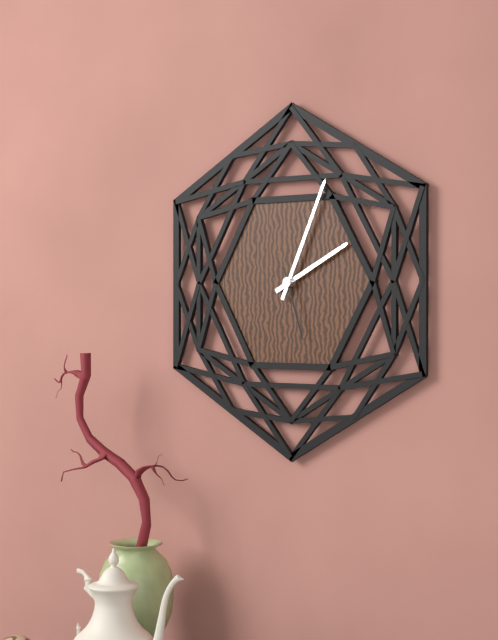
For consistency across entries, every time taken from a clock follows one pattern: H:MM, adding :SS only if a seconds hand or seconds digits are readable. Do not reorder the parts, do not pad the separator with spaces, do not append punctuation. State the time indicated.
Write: 2:04:27
